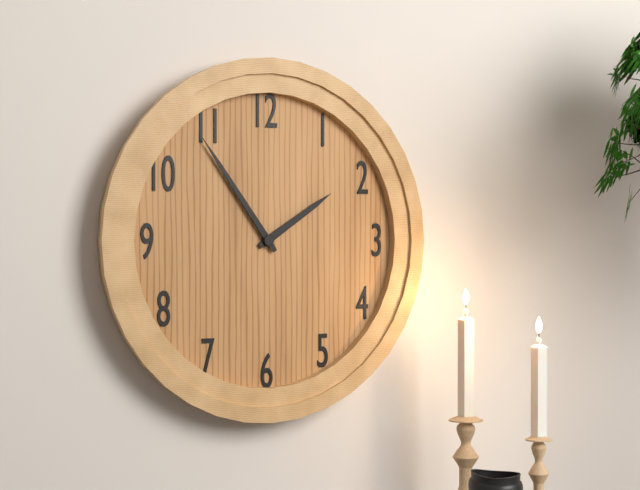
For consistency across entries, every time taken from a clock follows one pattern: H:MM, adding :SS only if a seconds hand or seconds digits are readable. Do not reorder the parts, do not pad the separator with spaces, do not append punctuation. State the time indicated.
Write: 1:54
